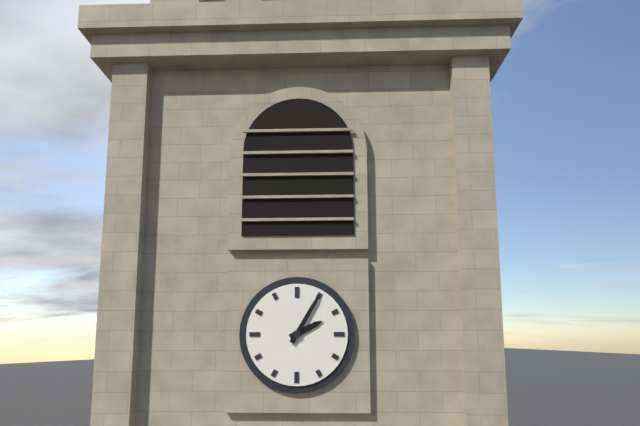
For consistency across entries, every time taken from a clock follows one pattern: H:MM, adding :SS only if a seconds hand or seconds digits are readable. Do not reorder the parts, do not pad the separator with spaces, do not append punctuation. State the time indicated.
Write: 2:05
